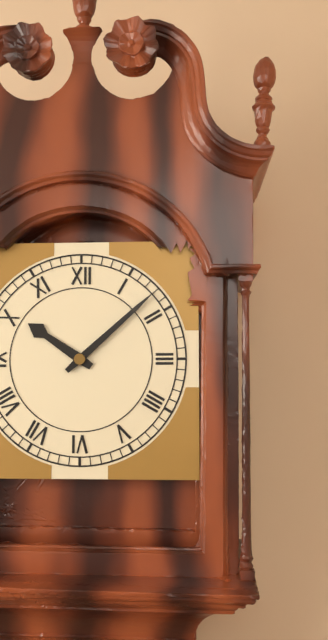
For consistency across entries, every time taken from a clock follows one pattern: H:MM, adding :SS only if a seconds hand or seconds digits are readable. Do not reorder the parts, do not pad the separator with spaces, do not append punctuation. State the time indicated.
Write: 10:08
